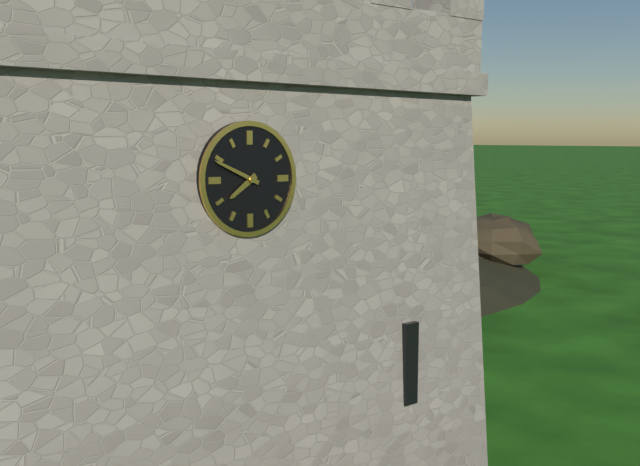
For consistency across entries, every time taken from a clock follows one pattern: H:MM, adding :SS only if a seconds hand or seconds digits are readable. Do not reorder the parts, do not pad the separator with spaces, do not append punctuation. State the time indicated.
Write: 7:49
